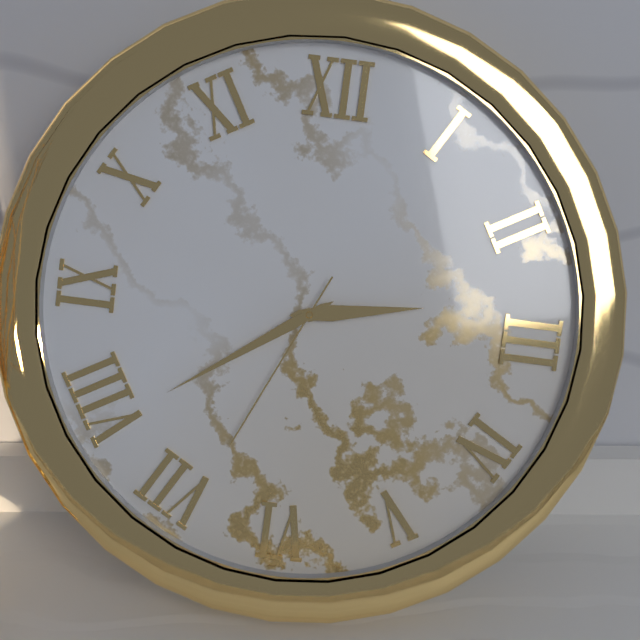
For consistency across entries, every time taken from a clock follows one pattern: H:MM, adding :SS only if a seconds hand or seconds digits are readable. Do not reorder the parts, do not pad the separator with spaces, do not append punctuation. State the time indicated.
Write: 2:39:34
